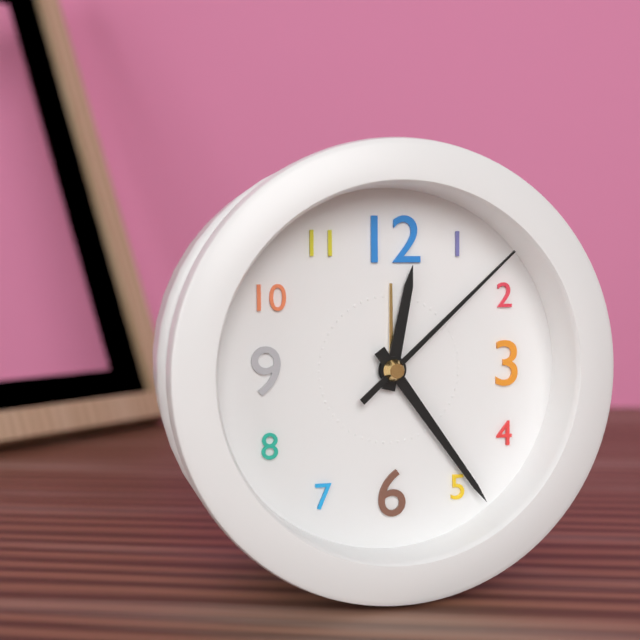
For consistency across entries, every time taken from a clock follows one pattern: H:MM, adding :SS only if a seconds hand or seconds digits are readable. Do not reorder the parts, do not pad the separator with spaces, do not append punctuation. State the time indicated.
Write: 12:24:08
